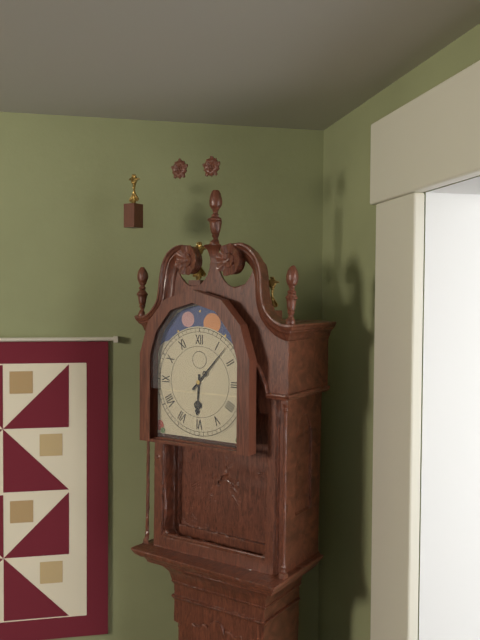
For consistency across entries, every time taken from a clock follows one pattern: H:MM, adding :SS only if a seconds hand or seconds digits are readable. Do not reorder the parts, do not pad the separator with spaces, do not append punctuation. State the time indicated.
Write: 6:07
